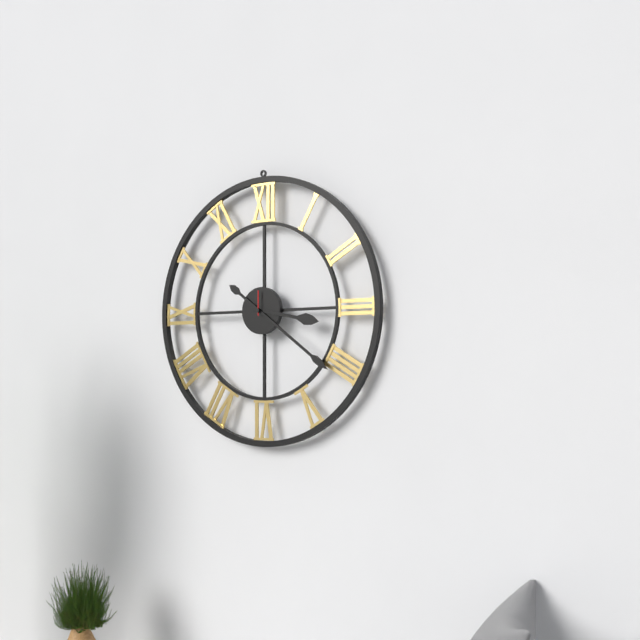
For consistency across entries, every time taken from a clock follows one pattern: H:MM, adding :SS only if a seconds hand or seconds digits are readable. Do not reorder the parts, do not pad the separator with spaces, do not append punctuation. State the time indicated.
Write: 3:21
